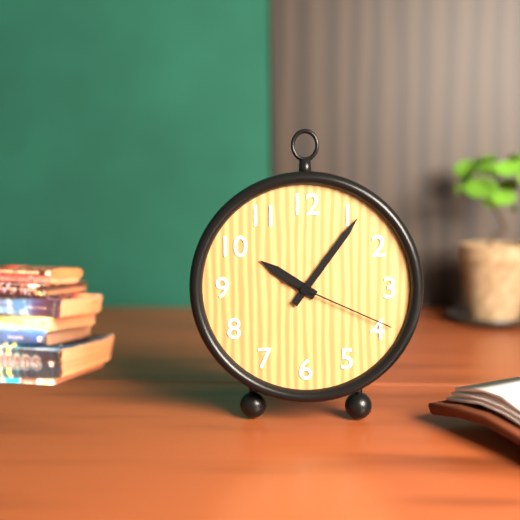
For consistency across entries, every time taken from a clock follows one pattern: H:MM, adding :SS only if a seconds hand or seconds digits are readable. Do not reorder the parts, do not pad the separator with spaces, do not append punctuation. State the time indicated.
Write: 10:06:19
